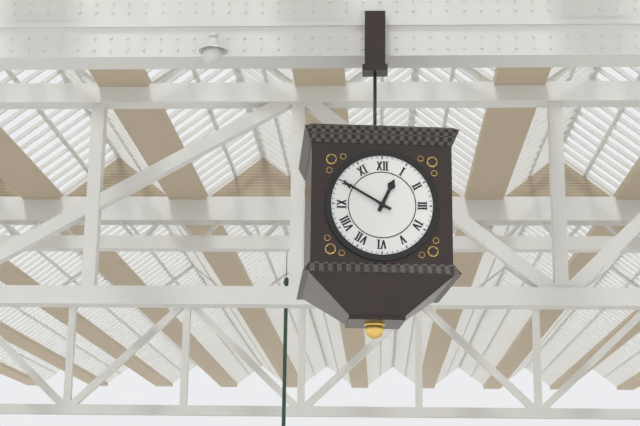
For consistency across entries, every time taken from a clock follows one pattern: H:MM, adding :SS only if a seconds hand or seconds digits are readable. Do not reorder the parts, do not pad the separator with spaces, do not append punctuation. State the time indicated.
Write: 12:50
